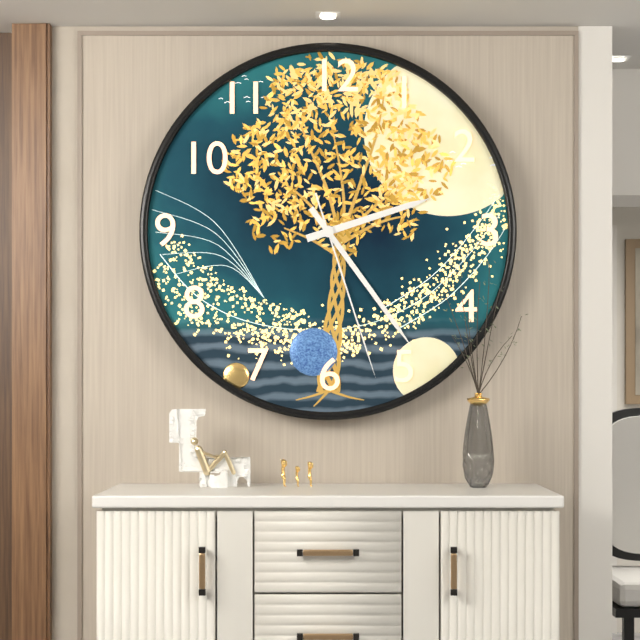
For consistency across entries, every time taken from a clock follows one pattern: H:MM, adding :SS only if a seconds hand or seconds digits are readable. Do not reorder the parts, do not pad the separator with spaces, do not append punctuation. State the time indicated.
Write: 2:24:27
